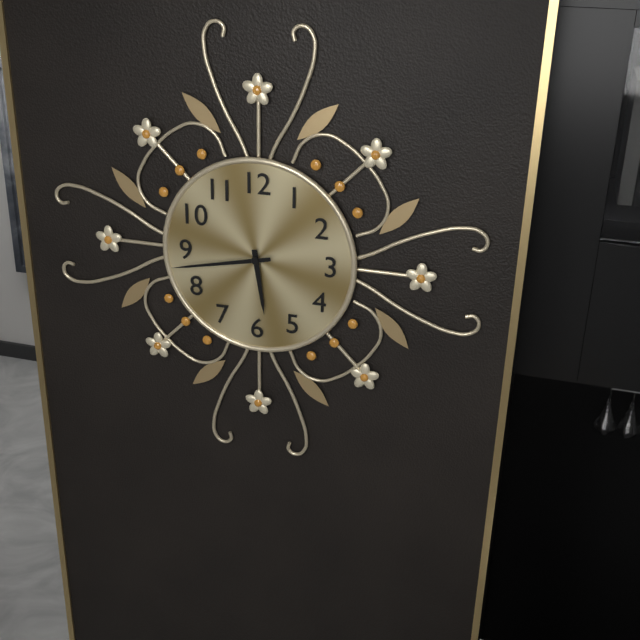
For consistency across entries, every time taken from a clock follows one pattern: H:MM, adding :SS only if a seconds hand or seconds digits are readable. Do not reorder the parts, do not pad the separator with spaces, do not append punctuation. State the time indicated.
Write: 5:43
